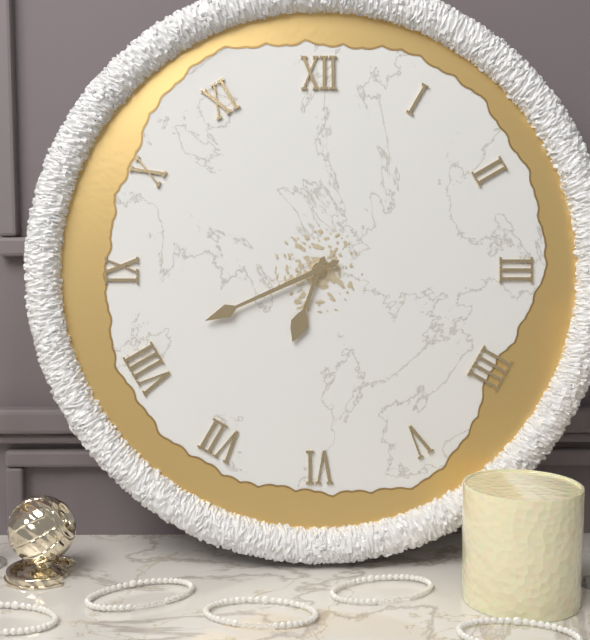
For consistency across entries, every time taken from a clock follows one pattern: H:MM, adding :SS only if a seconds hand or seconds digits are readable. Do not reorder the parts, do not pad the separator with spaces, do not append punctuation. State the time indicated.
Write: 6:41
